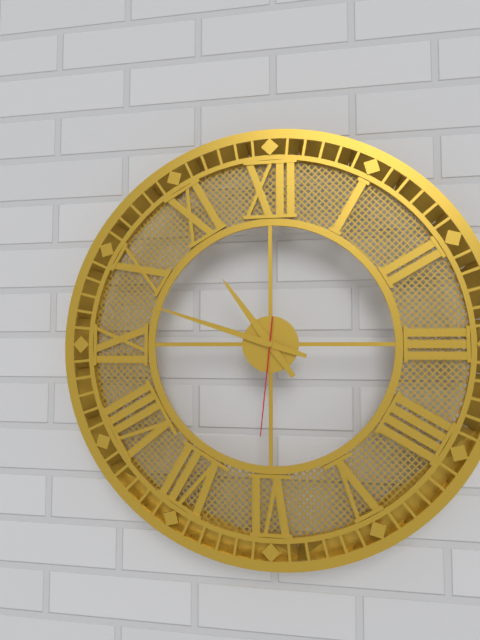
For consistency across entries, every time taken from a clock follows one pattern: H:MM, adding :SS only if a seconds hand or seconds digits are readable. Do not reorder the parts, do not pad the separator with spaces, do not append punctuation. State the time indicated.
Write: 10:48:31
